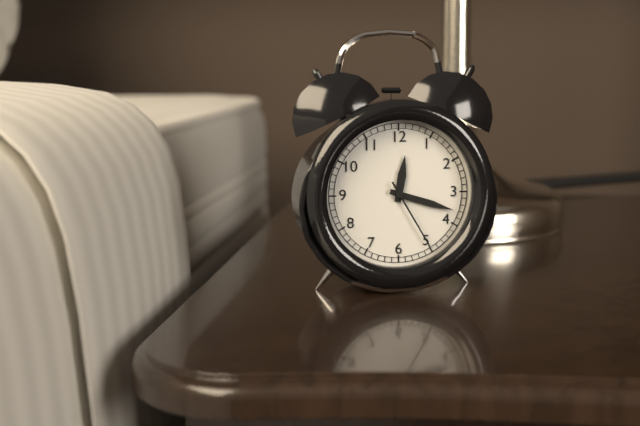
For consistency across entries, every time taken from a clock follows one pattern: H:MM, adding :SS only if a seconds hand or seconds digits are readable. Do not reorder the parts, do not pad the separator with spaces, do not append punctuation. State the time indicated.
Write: 12:18:25
